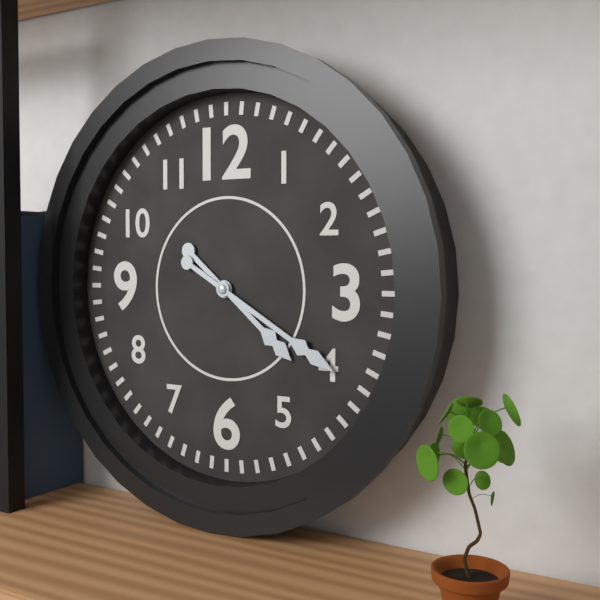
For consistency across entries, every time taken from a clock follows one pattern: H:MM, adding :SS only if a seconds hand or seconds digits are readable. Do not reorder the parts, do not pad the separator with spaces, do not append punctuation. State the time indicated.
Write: 4:20
